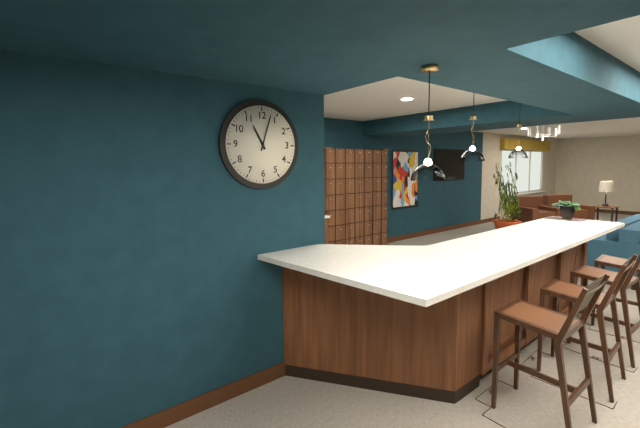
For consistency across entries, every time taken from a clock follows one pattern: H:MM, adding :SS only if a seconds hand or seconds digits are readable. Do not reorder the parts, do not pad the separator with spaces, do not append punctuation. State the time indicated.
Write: 11:03
